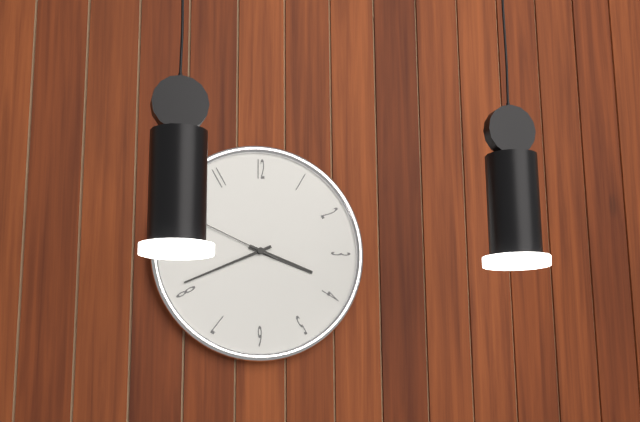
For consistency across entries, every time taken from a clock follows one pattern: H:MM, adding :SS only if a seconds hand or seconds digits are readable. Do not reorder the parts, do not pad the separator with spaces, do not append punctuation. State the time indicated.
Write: 3:41
